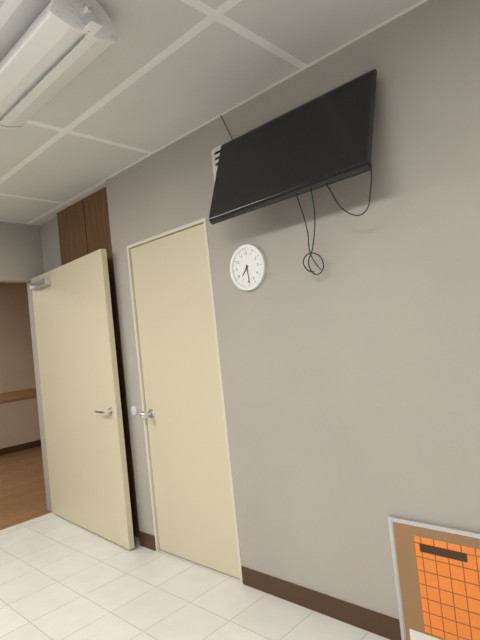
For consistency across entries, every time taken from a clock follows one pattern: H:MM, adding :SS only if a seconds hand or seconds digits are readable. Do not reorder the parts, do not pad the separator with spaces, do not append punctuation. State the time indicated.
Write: 7:29
